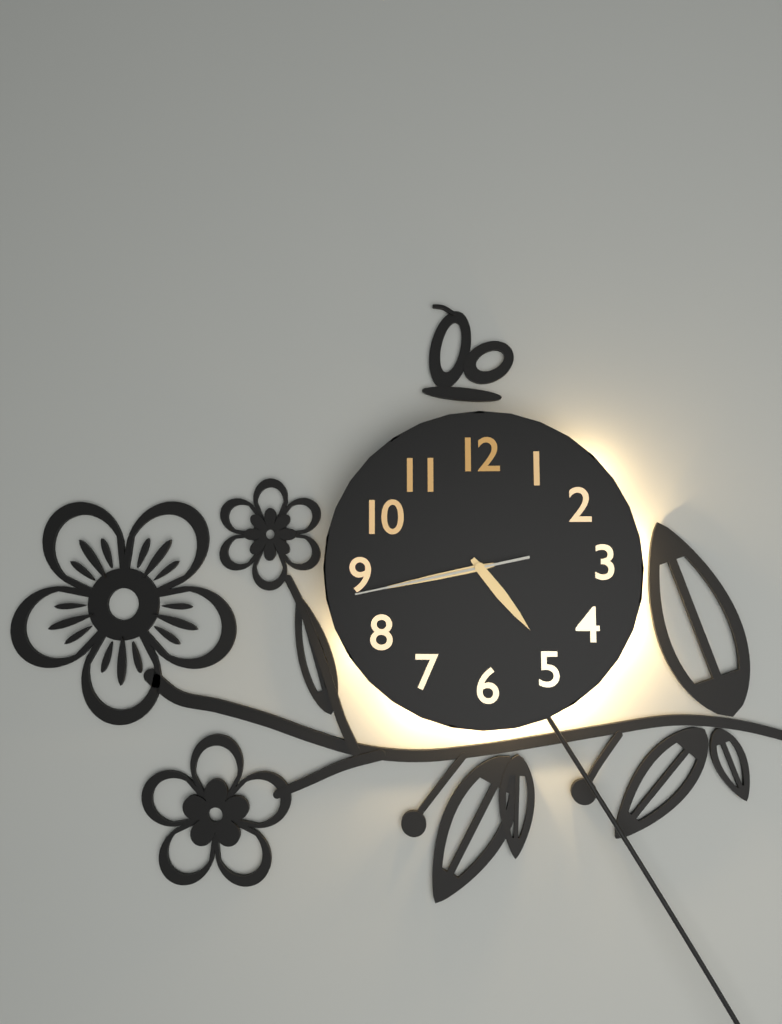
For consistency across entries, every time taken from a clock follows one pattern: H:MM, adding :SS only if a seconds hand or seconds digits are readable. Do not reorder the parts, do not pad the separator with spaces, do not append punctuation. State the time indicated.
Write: 4:43:43
